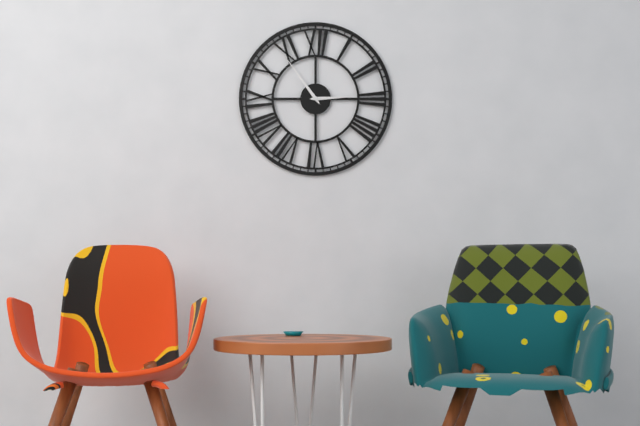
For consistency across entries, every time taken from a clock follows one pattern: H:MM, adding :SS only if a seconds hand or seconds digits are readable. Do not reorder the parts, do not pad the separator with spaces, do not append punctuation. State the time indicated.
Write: 2:54
